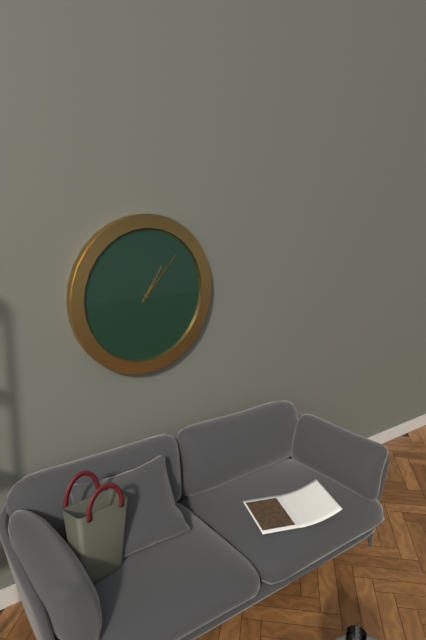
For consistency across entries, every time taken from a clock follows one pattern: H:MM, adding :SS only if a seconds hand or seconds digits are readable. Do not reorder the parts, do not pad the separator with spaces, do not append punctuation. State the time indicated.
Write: 1:07
